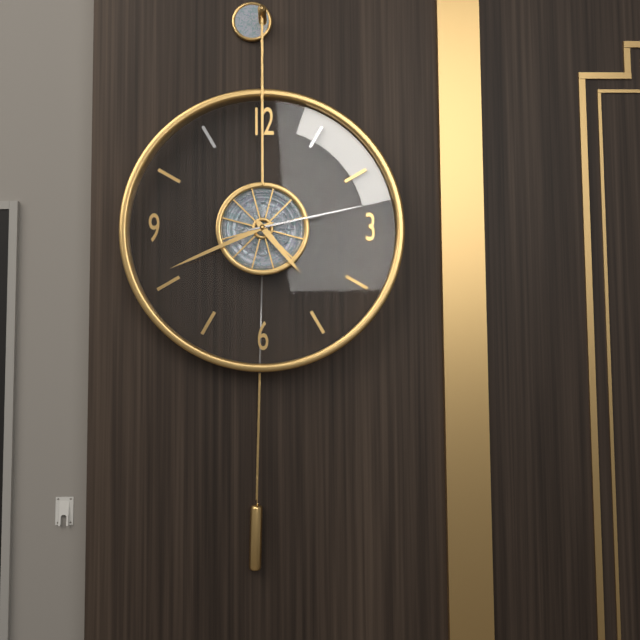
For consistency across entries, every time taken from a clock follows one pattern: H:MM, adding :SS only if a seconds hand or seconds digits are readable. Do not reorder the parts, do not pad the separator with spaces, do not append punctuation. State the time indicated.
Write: 4:41:13
